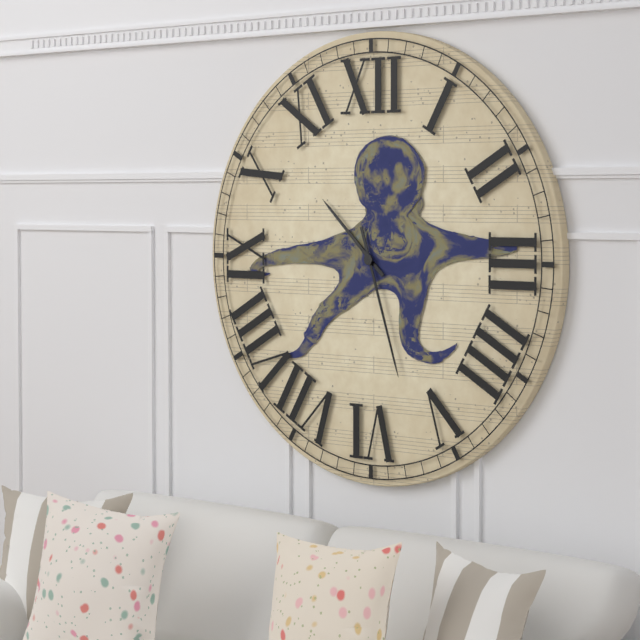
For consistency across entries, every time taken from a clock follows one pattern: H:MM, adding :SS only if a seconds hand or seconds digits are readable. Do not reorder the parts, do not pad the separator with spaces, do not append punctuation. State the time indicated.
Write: 10:27
